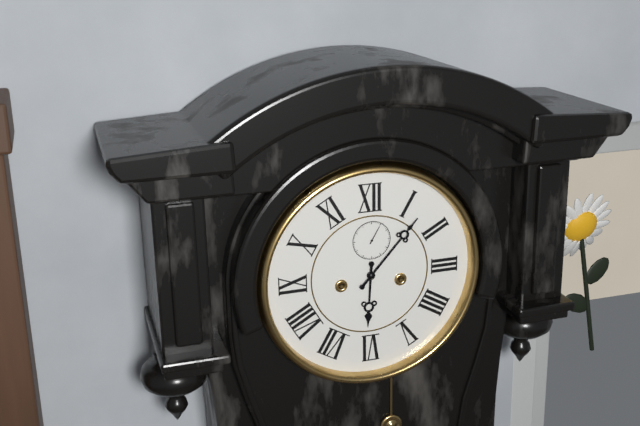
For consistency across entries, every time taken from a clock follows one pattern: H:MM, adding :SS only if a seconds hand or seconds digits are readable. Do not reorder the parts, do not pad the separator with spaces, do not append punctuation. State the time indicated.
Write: 6:07
